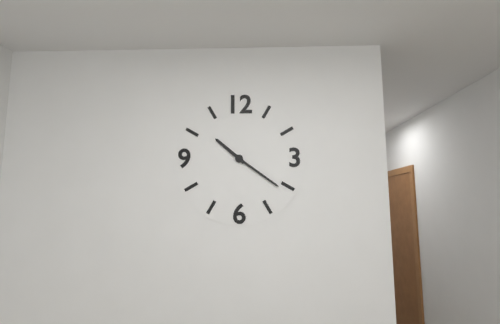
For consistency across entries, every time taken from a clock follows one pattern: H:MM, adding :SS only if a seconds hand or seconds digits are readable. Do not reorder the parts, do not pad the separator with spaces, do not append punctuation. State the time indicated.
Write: 10:21
